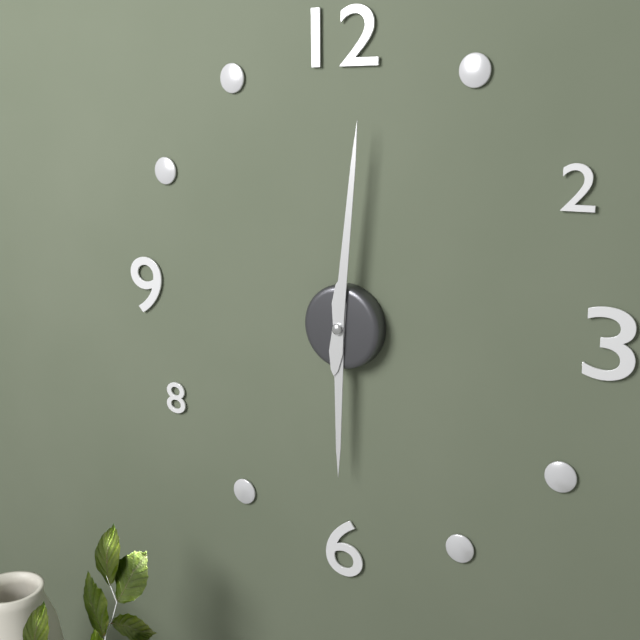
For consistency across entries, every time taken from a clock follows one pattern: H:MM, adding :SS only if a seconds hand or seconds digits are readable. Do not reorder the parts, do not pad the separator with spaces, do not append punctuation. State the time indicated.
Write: 6:01
